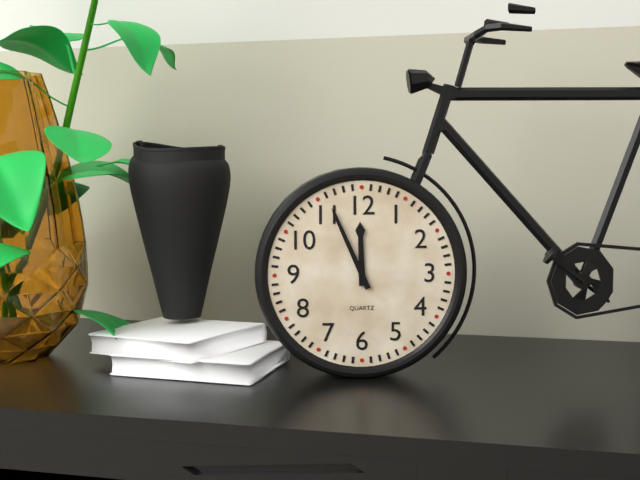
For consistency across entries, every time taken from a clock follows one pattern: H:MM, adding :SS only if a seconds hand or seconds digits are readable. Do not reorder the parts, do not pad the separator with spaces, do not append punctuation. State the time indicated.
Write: 11:56
